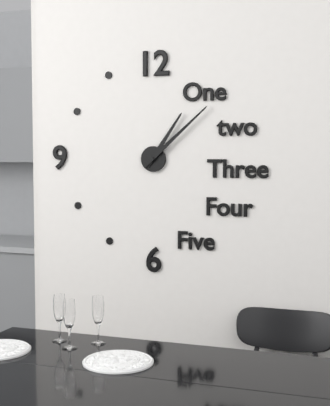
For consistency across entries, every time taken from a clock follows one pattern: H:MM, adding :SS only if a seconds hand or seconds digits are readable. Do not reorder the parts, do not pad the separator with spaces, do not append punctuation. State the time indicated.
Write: 1:08
